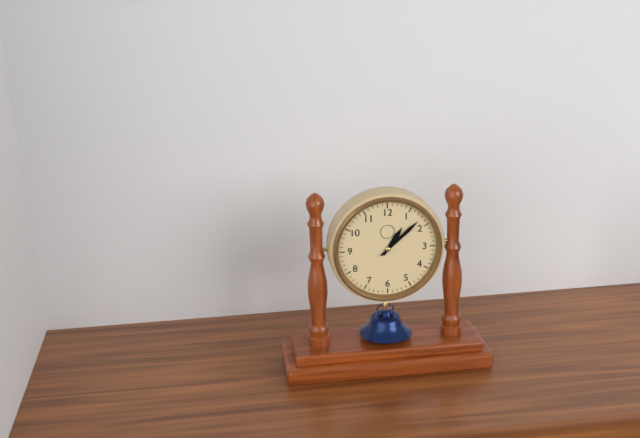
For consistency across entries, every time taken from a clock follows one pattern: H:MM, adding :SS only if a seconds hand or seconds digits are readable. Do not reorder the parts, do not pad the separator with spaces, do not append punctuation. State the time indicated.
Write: 1:08
